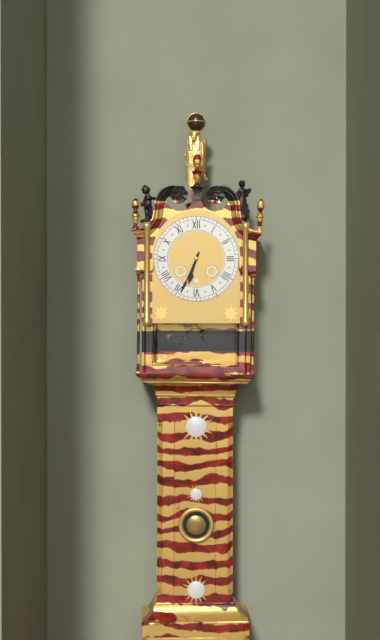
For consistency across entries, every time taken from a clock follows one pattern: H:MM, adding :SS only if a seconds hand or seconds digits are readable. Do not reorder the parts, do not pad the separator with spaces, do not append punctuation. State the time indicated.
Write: 6:34
